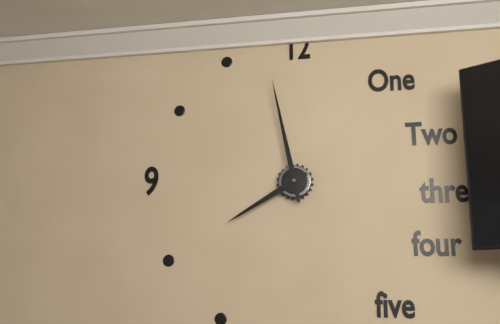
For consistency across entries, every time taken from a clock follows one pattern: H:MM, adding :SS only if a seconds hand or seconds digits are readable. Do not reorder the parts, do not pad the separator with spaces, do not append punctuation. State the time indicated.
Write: 7:58
